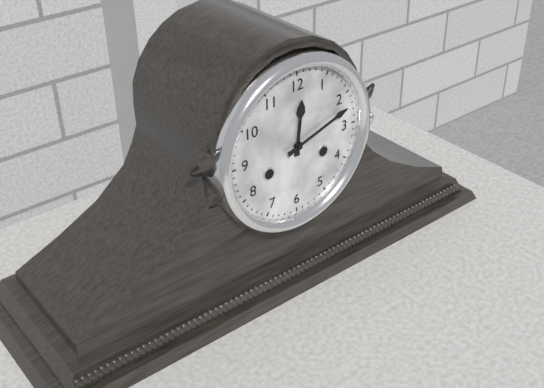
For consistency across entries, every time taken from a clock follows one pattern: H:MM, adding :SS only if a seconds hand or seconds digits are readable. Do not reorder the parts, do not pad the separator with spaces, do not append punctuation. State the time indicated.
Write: 12:12
